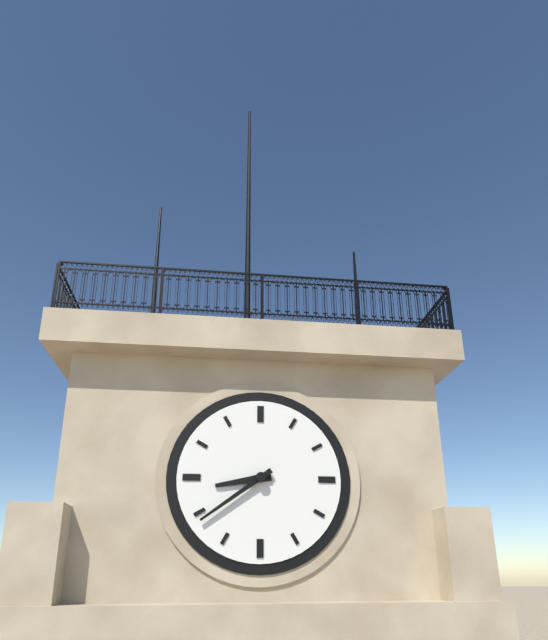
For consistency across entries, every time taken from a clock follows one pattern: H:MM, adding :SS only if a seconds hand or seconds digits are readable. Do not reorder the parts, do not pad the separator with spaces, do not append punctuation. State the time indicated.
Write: 8:39
